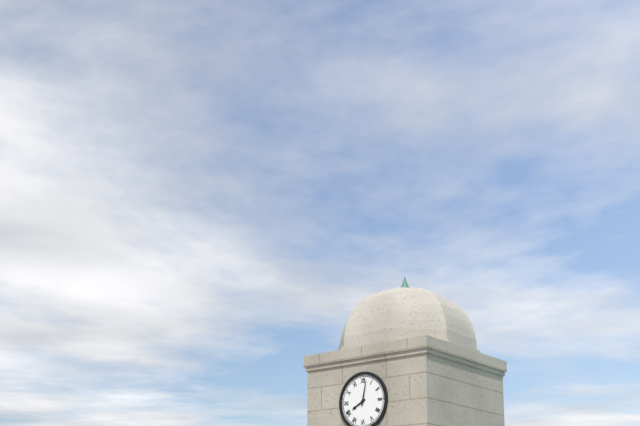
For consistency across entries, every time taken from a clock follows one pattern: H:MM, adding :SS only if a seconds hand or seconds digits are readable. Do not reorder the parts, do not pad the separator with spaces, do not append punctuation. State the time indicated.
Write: 8:02
